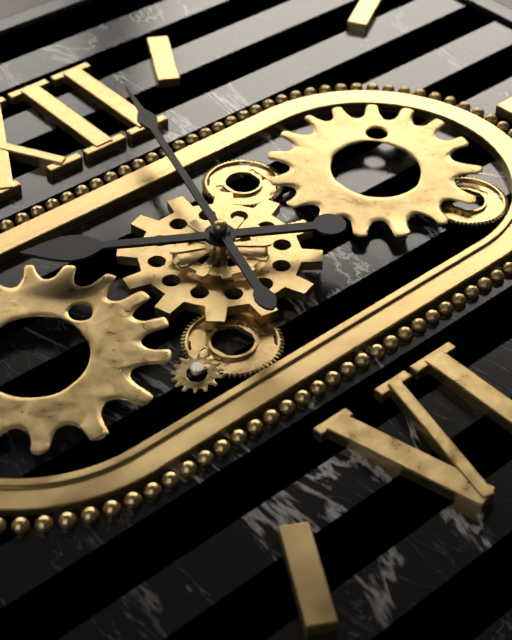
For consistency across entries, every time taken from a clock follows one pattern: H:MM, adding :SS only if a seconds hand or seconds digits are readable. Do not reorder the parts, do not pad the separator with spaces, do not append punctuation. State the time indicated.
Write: 10:03
